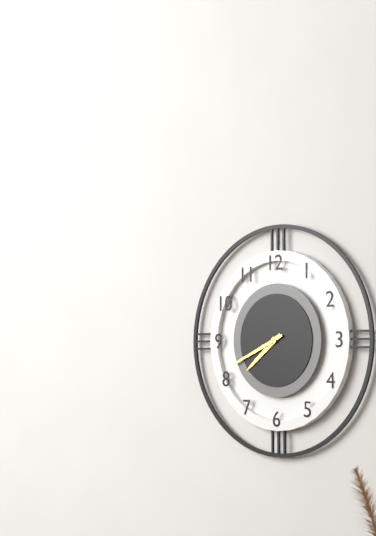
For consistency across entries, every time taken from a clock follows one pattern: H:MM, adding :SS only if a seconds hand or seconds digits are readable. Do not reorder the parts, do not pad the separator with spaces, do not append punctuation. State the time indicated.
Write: 7:41
